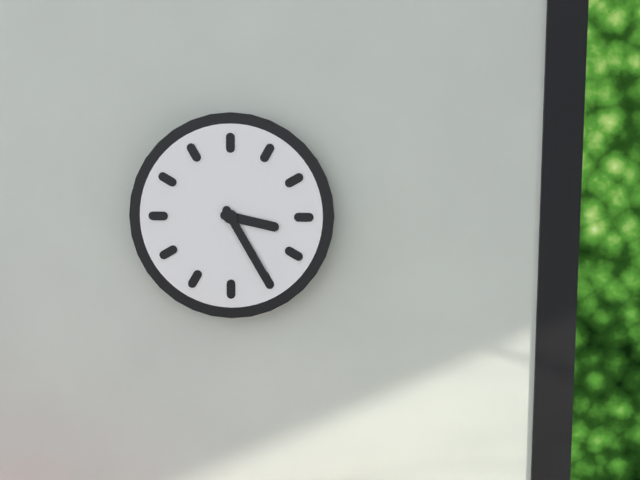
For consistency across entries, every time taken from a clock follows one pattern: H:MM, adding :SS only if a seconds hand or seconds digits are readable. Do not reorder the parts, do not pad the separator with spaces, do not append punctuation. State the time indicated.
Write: 3:25
